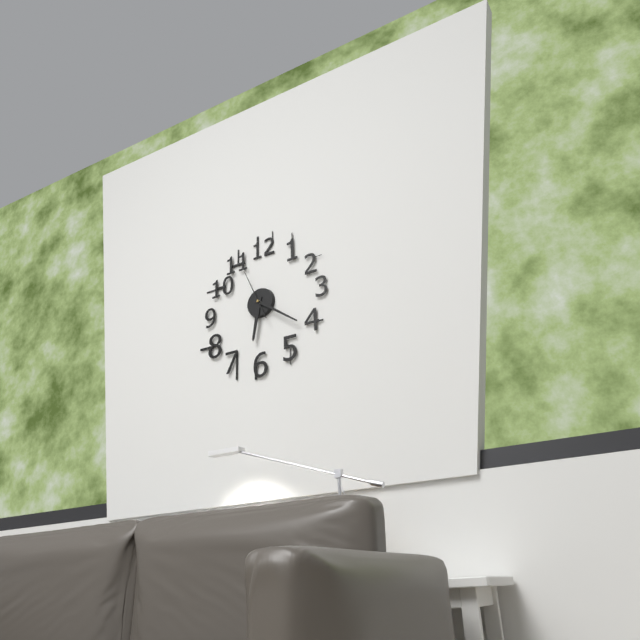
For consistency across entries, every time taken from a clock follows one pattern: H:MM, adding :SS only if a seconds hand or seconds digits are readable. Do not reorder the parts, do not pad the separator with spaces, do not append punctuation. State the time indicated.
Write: 6:21
